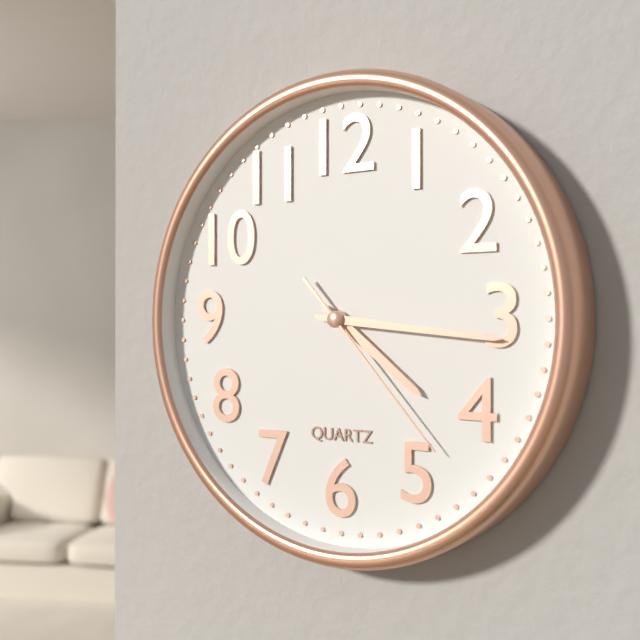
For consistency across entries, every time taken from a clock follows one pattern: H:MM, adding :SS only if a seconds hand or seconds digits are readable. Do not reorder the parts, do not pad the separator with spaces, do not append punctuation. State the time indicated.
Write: 4:16:23
